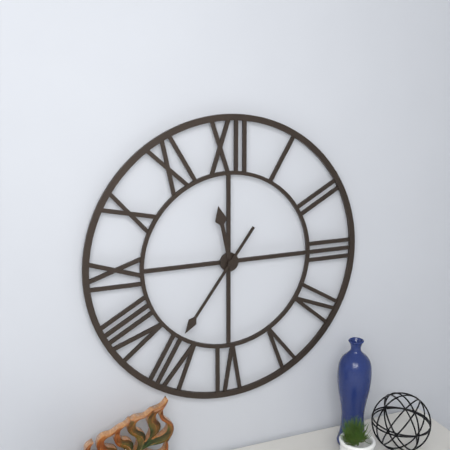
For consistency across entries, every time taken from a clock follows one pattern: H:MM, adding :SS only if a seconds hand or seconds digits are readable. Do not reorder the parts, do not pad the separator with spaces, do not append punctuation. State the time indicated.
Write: 11:36
